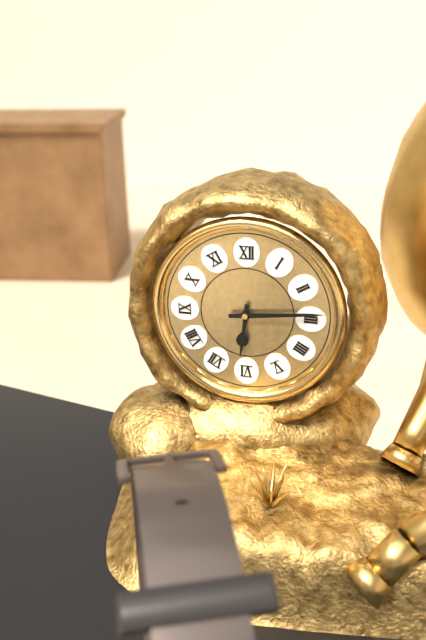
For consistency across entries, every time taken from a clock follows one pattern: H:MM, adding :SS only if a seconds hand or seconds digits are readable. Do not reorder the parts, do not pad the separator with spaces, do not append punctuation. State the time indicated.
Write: 6:14
